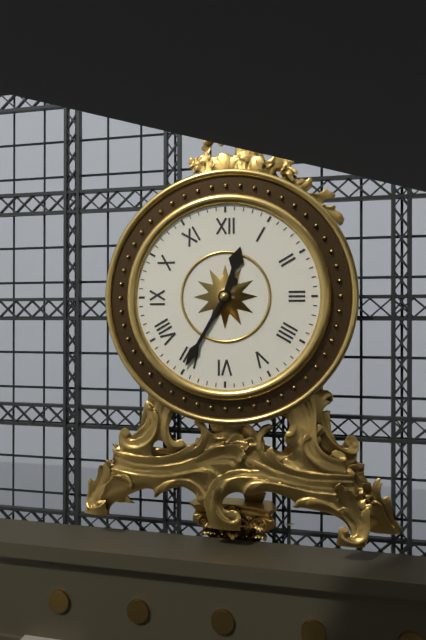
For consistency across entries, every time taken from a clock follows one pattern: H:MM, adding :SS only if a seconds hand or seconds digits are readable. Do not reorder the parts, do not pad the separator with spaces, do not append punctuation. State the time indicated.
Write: 12:35
